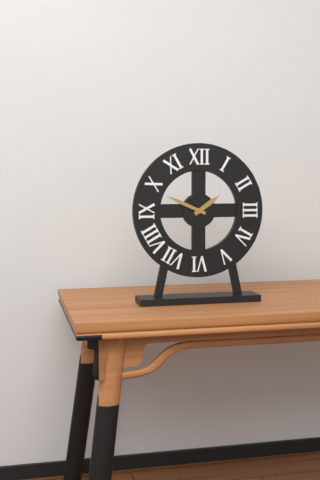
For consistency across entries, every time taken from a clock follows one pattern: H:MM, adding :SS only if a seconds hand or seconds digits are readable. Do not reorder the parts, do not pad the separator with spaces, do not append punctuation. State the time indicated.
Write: 1:49
